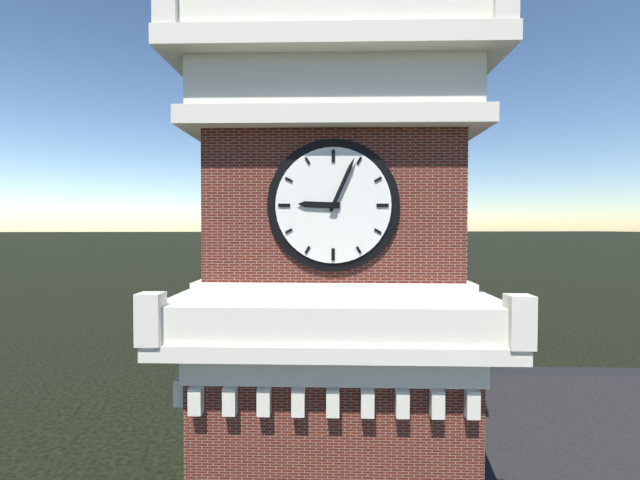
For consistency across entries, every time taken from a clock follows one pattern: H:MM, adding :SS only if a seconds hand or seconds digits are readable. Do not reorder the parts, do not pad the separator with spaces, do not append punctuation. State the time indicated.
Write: 9:04
